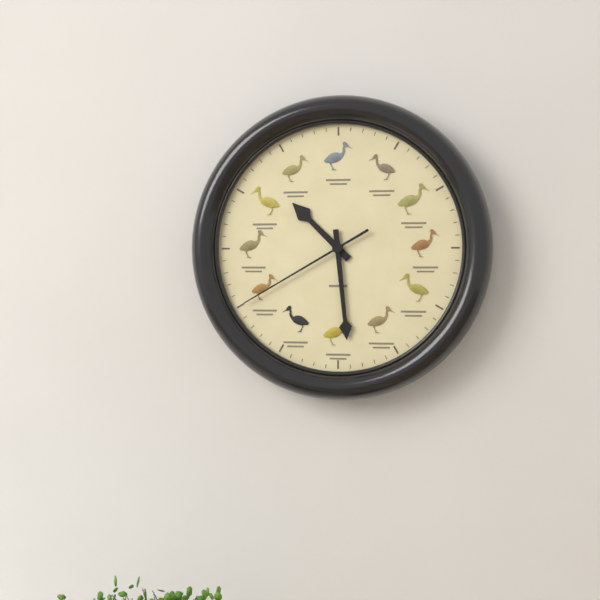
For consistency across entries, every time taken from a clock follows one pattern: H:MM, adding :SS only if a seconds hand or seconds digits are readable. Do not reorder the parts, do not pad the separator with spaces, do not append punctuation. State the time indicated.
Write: 10:29:40
